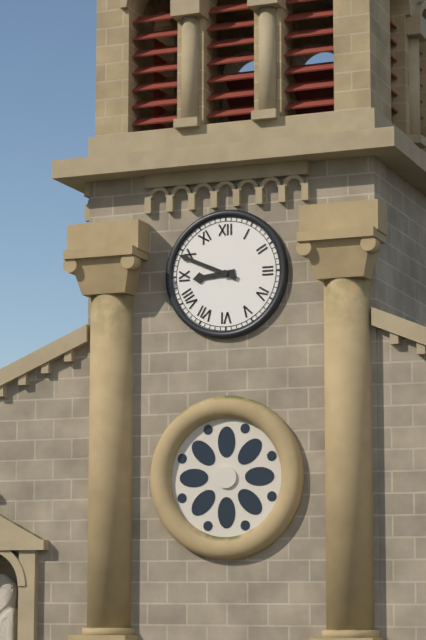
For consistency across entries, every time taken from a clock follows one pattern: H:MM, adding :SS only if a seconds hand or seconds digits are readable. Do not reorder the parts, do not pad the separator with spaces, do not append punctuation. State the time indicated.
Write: 8:49
